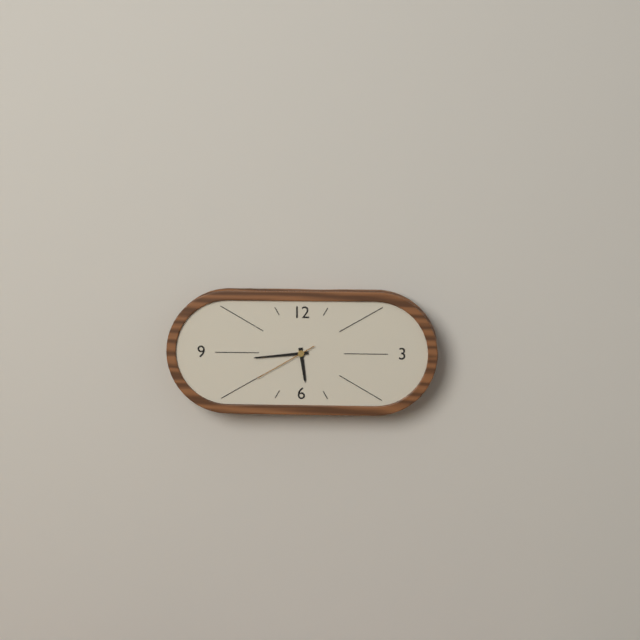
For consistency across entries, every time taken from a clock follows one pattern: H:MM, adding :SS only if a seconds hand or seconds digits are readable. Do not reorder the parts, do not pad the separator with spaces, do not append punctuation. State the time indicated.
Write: 5:44:40
